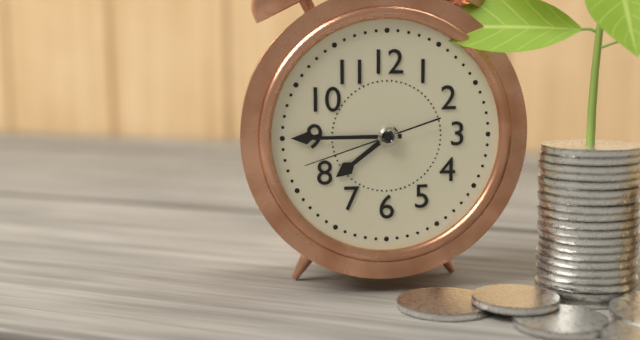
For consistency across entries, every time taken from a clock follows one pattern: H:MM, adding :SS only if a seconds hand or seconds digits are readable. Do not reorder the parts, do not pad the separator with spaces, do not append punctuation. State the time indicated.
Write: 7:45:42
